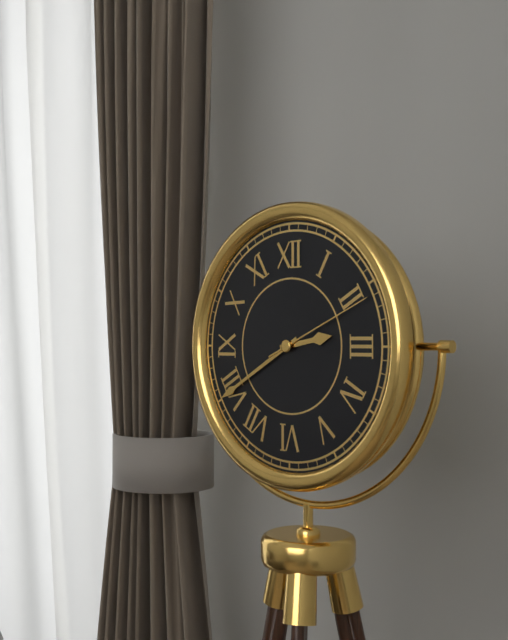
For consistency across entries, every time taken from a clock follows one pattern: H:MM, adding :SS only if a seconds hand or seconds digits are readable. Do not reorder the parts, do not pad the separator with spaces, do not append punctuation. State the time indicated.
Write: 2:40:11
